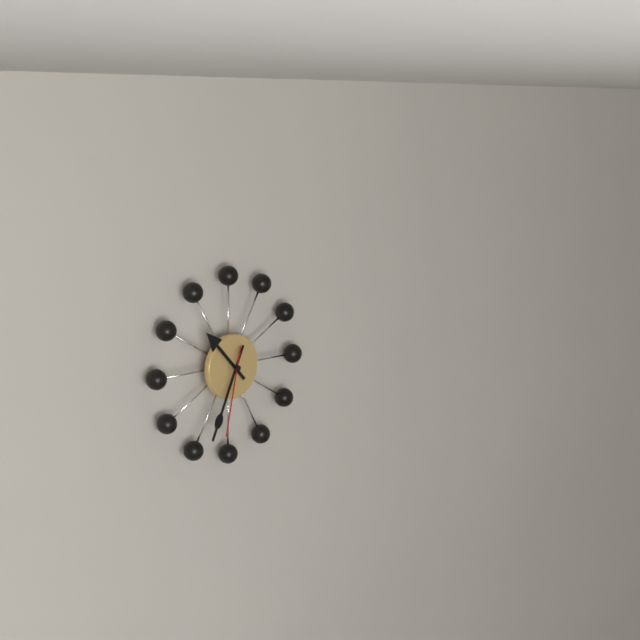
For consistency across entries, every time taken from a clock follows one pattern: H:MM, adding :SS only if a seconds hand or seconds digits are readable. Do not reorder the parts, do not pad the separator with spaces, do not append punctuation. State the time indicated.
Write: 10:34:32
